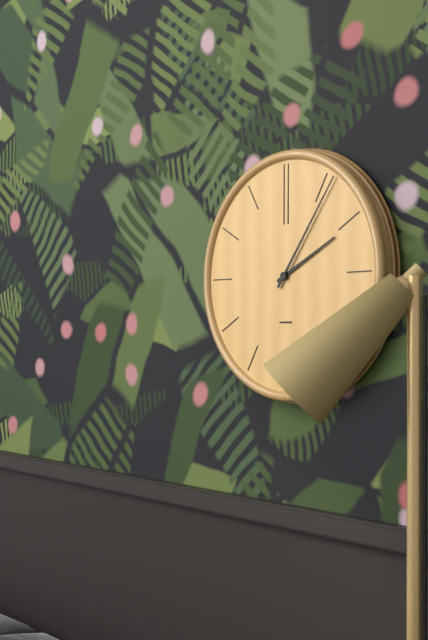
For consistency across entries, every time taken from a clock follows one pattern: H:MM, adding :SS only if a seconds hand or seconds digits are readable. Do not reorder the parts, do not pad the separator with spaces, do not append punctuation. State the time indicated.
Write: 2:06
